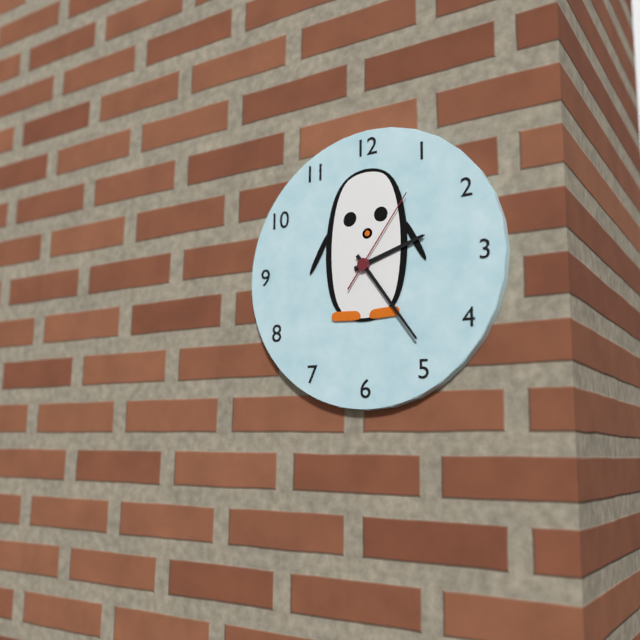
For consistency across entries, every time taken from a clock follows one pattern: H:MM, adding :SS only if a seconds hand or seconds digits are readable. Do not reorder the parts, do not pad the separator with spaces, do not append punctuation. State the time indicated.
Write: 2:24:06
